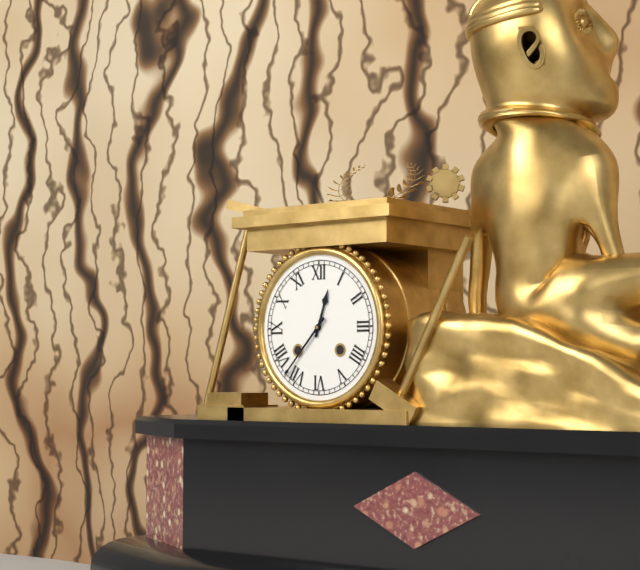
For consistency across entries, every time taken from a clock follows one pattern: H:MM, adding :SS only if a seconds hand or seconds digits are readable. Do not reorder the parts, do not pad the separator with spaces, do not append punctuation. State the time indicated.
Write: 12:37
